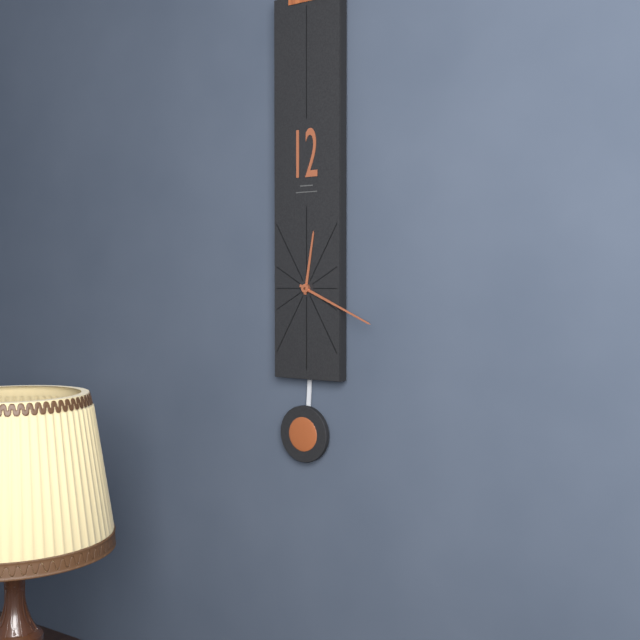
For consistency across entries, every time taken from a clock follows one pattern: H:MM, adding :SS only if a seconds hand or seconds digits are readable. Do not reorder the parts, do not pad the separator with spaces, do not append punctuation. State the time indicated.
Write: 12:19
